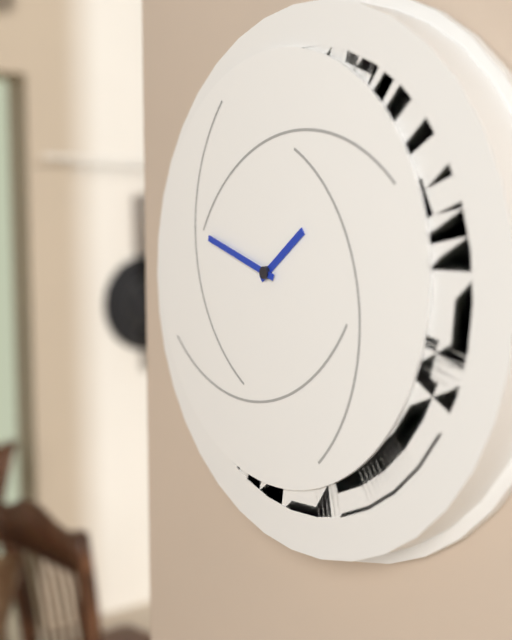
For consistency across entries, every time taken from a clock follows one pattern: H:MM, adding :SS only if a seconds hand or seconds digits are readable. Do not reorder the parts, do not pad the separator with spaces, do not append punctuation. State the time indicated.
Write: 1:48
